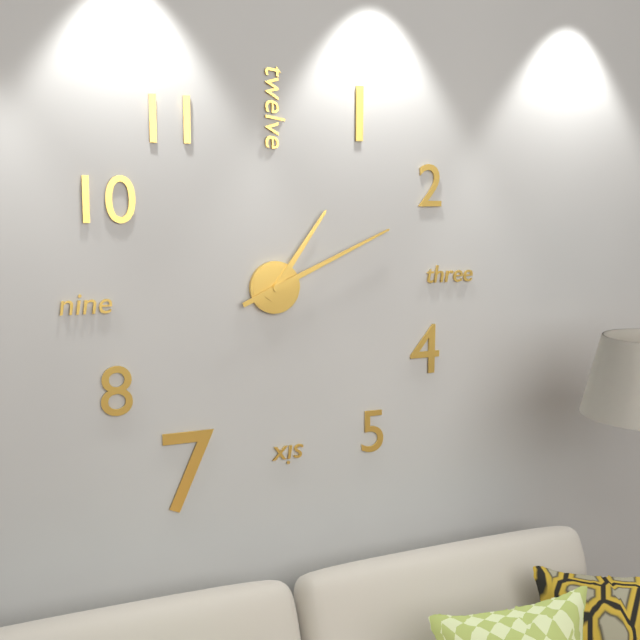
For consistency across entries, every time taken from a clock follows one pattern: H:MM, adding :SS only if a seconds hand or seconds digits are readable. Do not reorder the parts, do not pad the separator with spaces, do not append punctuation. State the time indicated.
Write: 1:11
